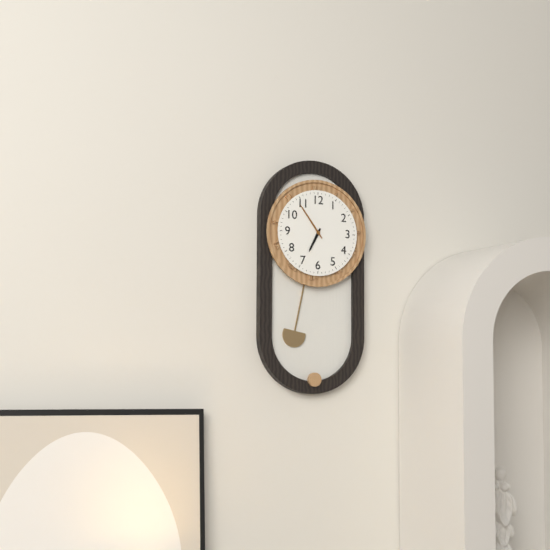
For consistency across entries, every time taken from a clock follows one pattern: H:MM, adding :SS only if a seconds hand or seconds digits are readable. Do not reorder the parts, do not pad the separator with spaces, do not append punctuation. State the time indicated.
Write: 6:54
